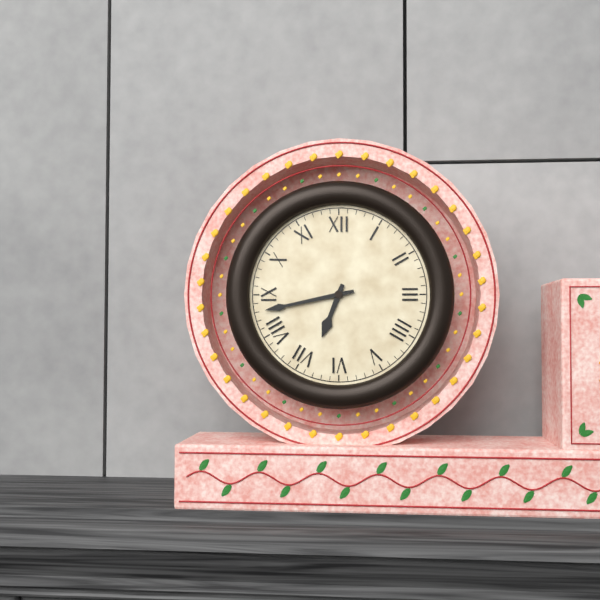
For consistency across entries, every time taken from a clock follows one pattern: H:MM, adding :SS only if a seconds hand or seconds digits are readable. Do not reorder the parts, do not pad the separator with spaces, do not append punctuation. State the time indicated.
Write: 6:43
